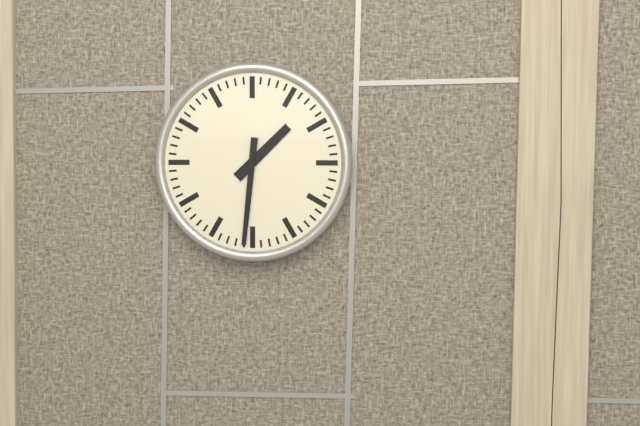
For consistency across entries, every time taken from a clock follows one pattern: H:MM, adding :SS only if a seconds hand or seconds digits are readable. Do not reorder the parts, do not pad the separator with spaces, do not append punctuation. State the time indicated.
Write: 1:31
